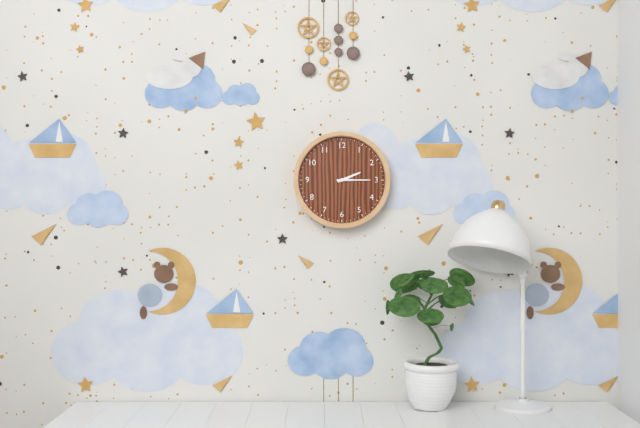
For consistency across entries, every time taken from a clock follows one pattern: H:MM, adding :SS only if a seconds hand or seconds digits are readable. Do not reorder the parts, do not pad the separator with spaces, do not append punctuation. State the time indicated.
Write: 2:15
